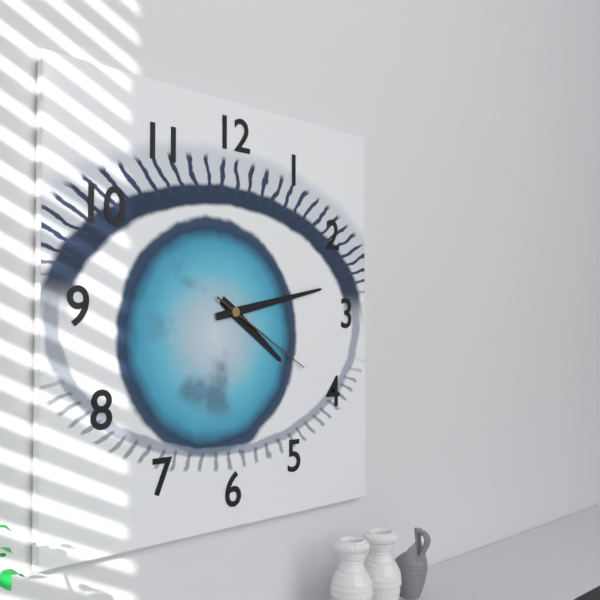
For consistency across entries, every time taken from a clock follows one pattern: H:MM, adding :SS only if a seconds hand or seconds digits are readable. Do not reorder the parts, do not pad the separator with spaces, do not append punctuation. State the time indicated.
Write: 4:13:20
